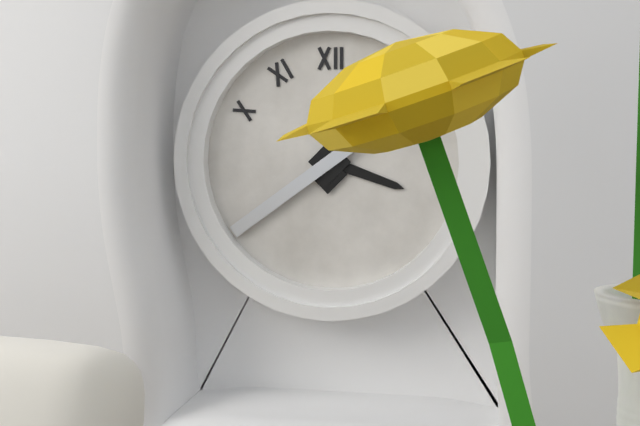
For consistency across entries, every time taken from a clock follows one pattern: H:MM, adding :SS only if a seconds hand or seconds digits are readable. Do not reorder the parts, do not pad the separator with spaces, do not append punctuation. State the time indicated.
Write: 3:39
